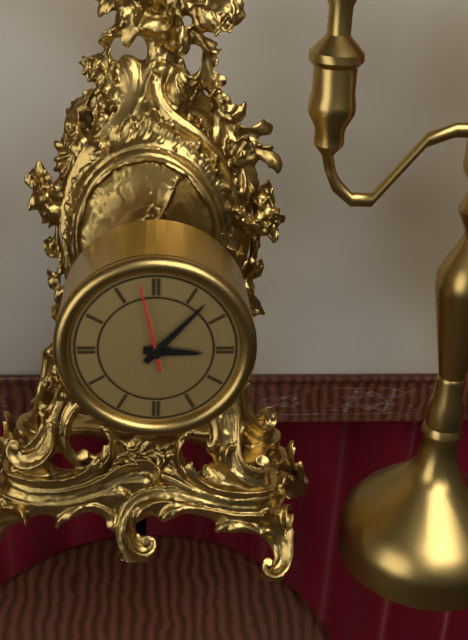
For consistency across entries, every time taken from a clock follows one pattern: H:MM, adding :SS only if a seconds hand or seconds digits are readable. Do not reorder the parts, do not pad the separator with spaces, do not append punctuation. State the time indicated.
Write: 3:07:58
